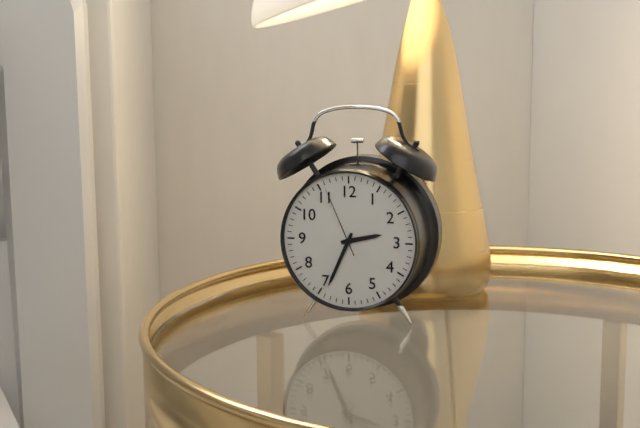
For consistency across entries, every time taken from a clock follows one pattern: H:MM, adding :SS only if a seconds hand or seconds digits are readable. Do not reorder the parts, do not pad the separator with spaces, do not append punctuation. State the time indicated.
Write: 2:34:56
